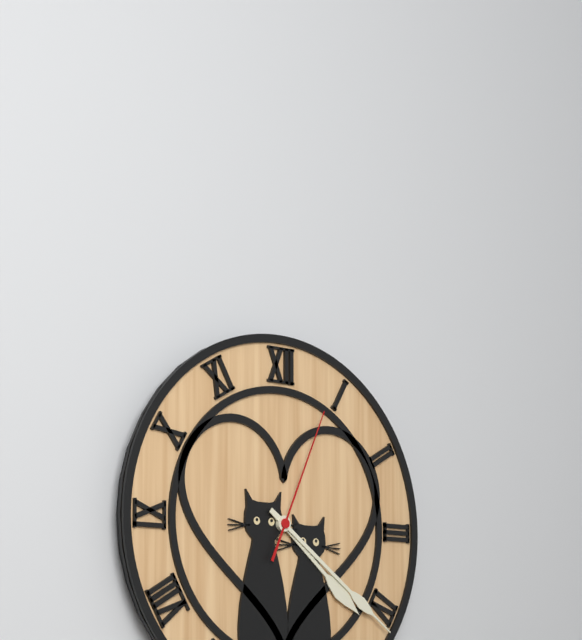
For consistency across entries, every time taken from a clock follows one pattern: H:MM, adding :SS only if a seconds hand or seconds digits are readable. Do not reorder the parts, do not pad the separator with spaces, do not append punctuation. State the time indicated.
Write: 4:21:04
